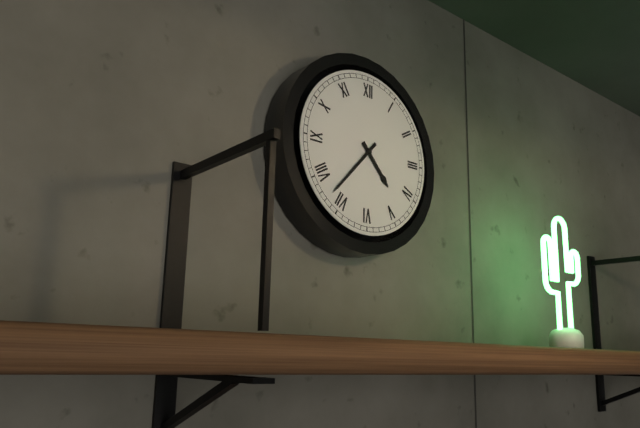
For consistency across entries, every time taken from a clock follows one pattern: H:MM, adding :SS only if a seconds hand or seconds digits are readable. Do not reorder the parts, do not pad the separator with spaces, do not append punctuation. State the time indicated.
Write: 4:37
